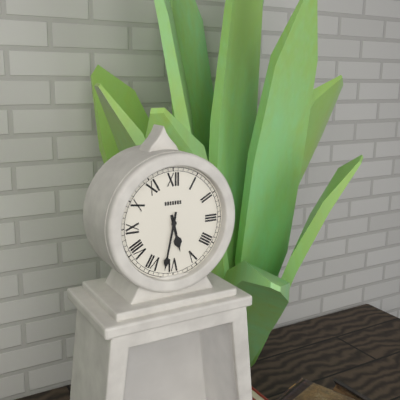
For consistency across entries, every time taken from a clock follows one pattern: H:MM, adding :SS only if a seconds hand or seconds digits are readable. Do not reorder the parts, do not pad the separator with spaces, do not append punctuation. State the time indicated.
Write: 5:32
